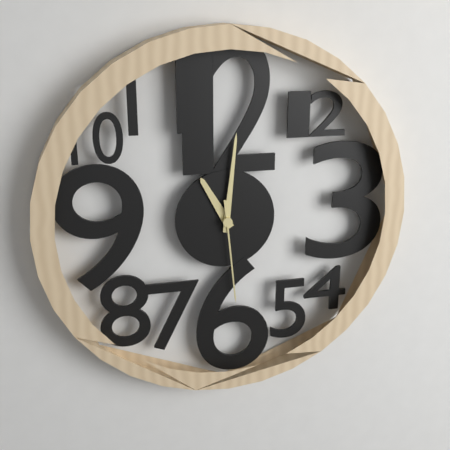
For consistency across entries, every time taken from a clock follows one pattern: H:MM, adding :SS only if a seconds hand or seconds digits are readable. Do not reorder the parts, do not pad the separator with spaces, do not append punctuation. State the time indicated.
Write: 11:01:29
